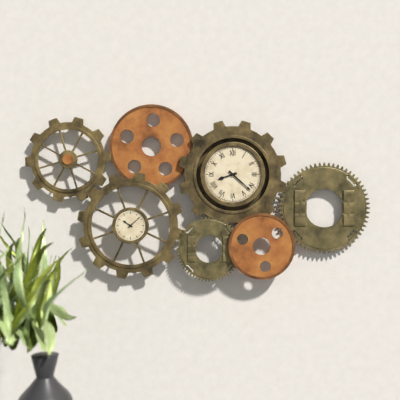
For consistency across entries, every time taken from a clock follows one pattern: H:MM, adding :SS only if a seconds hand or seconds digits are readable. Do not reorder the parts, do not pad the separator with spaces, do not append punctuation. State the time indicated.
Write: 8:22
